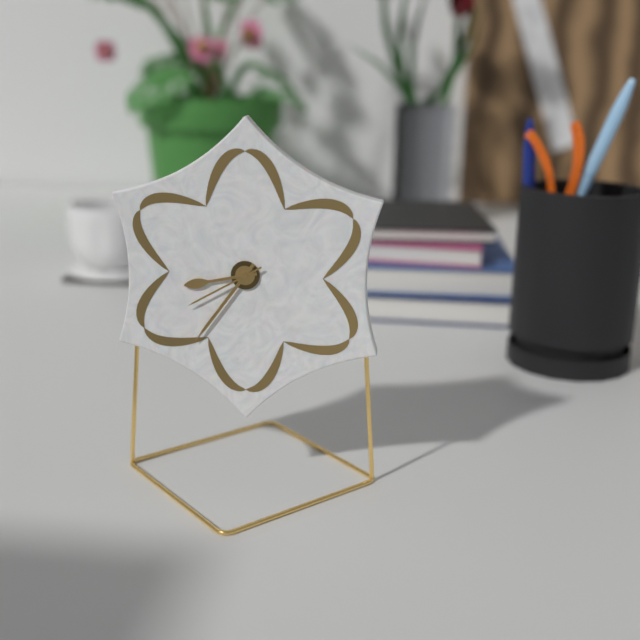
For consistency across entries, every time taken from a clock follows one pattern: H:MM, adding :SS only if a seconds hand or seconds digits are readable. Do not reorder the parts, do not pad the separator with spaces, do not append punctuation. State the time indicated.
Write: 8:36:40
